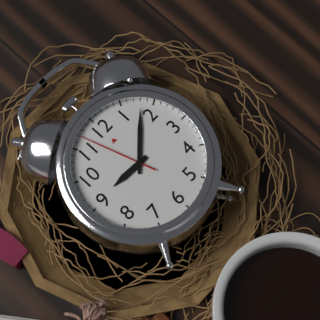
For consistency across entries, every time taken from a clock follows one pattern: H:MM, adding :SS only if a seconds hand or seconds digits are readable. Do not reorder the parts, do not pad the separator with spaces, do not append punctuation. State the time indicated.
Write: 9:08:57
